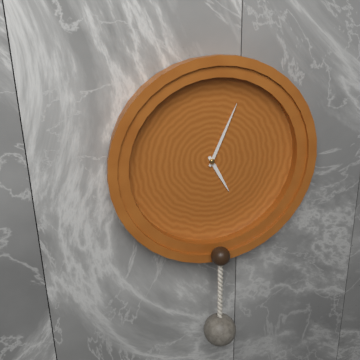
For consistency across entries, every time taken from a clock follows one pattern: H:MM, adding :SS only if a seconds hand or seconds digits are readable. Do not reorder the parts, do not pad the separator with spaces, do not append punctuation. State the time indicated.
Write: 5:04
